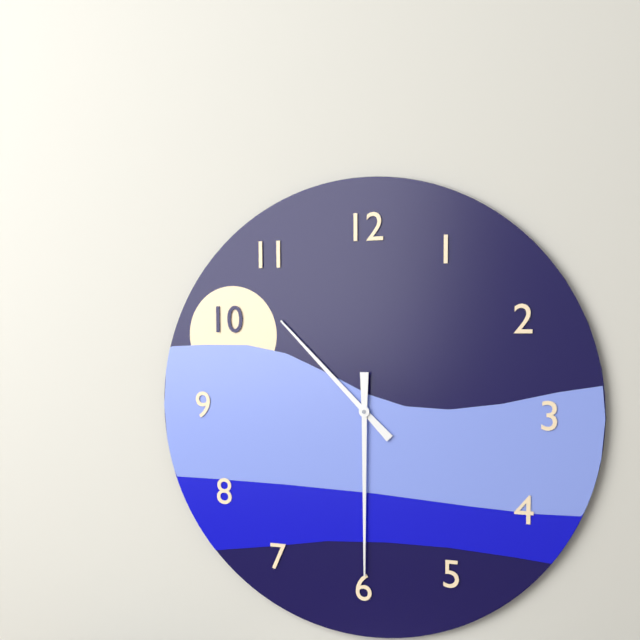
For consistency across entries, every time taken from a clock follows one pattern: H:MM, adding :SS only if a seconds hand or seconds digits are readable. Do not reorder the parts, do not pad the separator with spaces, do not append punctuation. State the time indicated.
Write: 10:30
